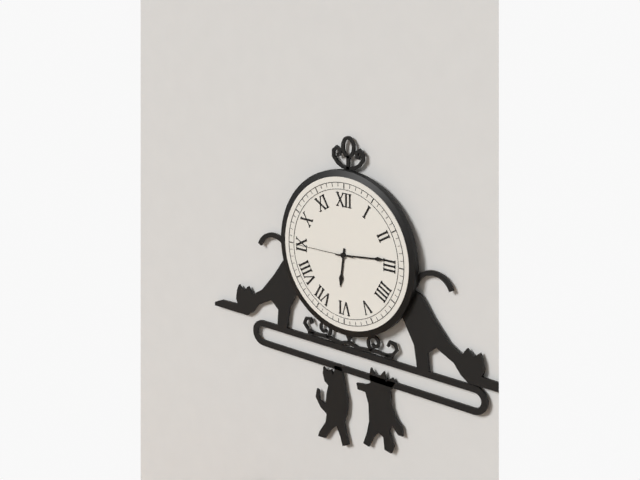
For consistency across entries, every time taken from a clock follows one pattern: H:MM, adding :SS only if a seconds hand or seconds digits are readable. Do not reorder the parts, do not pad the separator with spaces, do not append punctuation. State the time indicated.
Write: 6:14:45
